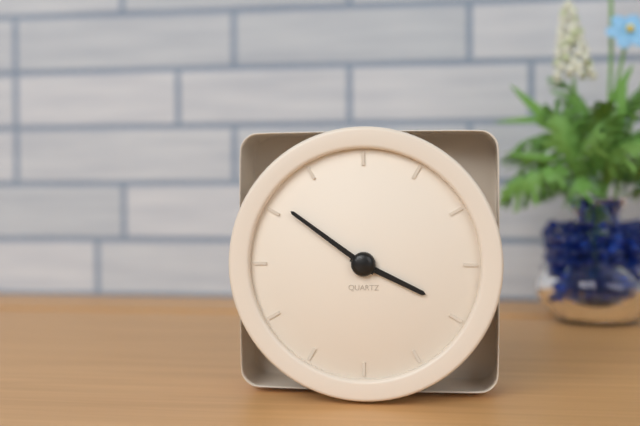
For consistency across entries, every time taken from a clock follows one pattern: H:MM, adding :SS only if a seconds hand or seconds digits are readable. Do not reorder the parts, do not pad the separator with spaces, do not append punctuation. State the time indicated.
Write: 3:51
